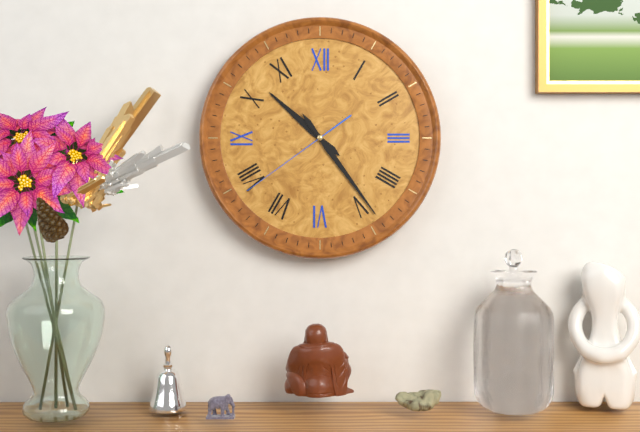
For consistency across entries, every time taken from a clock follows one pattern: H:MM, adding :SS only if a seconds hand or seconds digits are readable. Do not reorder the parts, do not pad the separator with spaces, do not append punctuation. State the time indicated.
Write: 10:24:39
